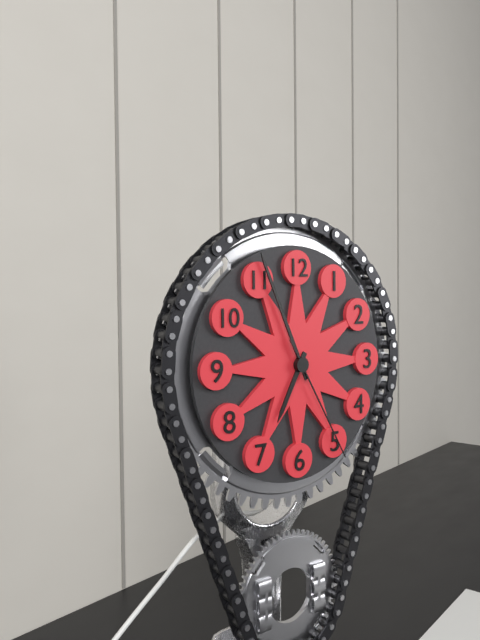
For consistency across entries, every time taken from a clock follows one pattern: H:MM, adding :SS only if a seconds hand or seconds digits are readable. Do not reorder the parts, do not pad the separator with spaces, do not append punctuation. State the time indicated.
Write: 6:56:25
